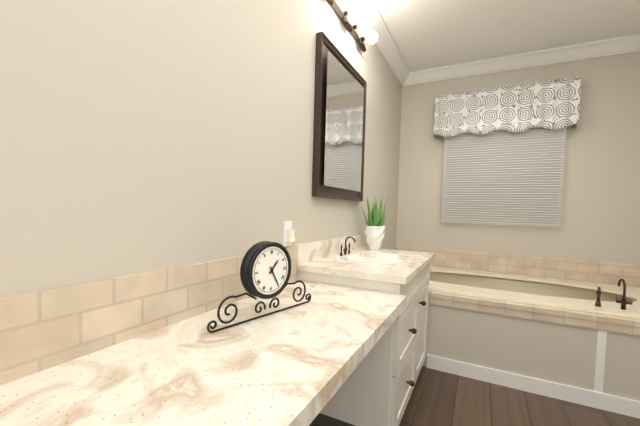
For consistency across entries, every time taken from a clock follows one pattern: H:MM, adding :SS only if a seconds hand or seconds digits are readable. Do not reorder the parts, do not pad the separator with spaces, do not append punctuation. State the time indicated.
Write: 1:25
